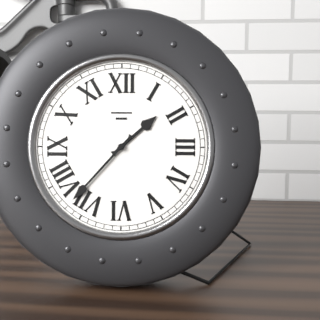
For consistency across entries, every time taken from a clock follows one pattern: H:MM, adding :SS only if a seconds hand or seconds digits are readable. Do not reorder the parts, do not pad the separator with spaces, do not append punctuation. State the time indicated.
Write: 1:37
